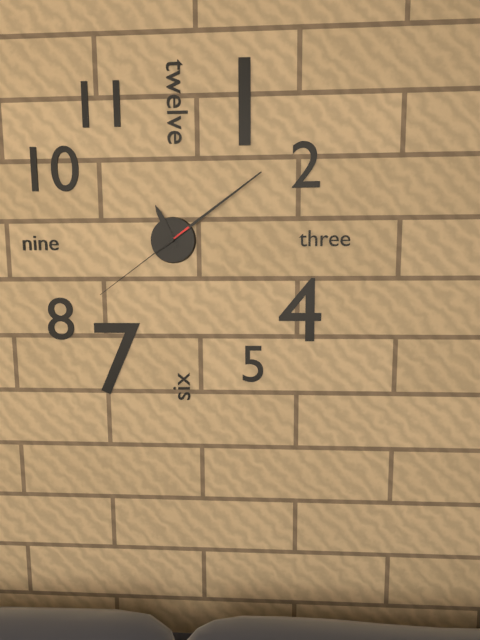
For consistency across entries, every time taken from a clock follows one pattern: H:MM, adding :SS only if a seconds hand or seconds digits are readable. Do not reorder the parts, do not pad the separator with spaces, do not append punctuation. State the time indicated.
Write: 11:09:39
